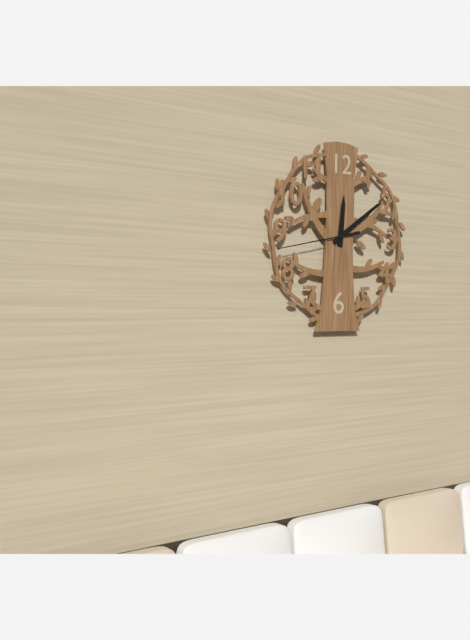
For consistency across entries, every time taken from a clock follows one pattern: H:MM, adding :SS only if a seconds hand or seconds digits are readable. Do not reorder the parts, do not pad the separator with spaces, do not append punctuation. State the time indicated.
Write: 12:09:43
